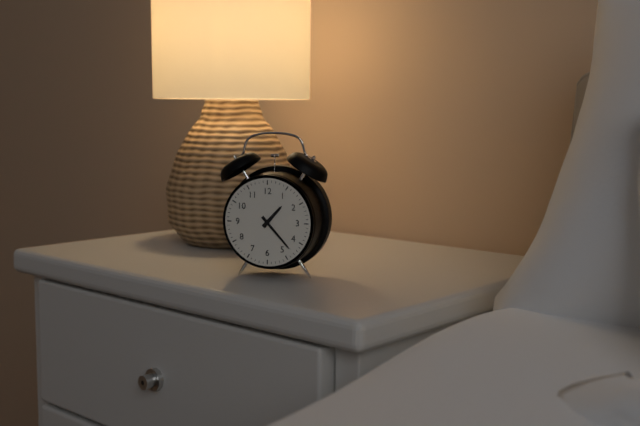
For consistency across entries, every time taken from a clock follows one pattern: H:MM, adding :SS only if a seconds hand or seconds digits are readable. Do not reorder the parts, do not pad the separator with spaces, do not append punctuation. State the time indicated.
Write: 1:23
